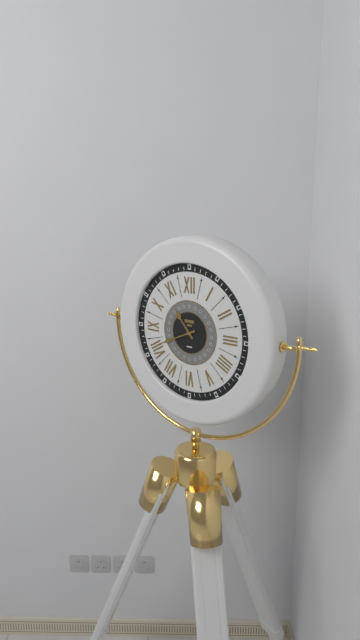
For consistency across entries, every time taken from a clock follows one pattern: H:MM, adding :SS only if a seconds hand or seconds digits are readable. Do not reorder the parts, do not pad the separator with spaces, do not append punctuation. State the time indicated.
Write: 10:41
